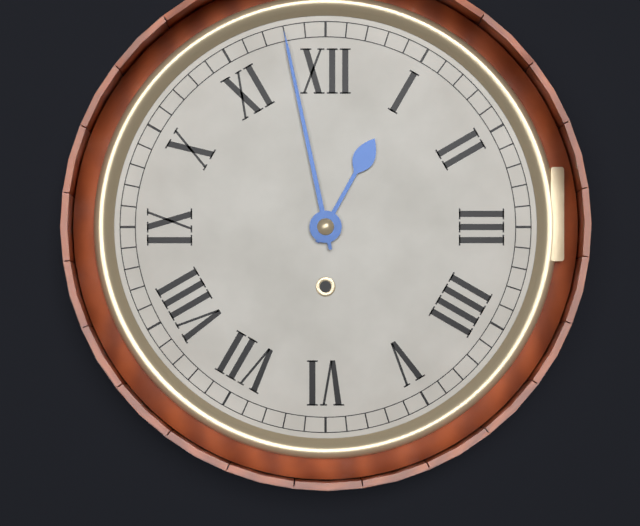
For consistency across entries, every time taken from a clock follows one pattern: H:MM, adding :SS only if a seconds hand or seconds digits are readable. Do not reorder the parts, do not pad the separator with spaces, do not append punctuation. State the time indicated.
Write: 12:58
